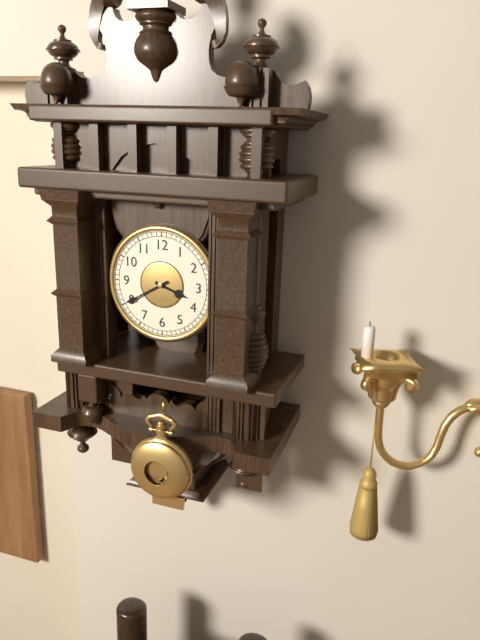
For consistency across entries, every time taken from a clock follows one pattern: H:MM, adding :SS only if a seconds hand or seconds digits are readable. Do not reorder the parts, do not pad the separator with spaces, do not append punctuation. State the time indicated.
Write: 3:40
